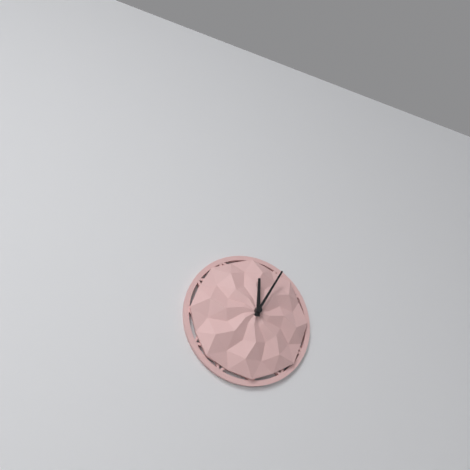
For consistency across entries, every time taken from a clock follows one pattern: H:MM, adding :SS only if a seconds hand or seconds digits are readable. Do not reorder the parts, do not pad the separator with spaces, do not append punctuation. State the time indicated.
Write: 12:05
